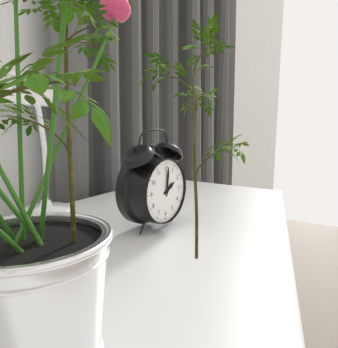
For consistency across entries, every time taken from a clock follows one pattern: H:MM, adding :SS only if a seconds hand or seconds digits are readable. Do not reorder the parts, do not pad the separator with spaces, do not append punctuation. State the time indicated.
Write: 2:01
